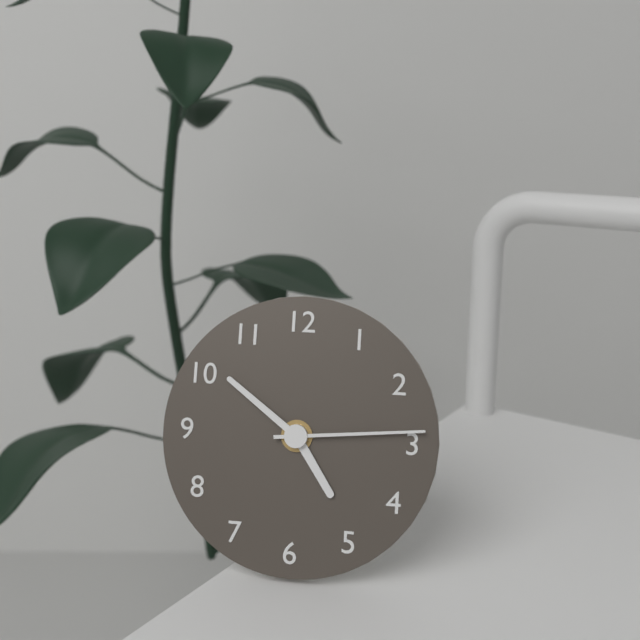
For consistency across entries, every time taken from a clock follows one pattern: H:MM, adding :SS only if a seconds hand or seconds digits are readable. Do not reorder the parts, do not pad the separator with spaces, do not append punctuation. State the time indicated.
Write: 4:51:14
